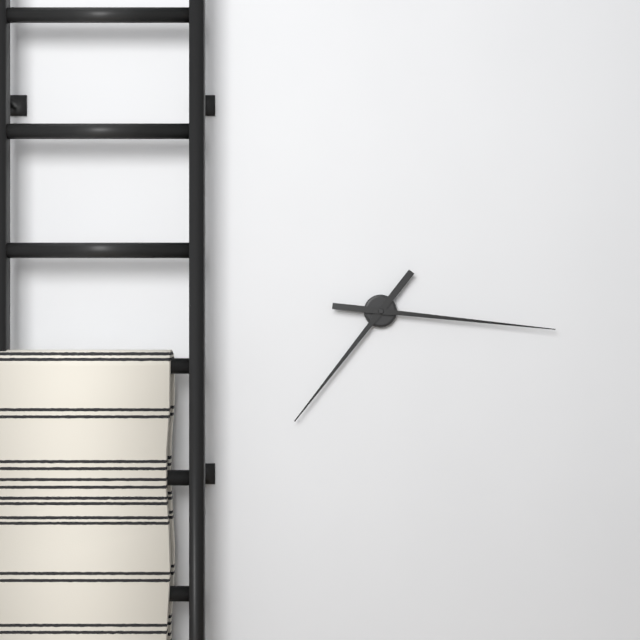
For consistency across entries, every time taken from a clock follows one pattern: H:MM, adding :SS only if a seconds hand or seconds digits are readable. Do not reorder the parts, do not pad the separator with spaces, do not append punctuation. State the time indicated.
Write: 7:16
